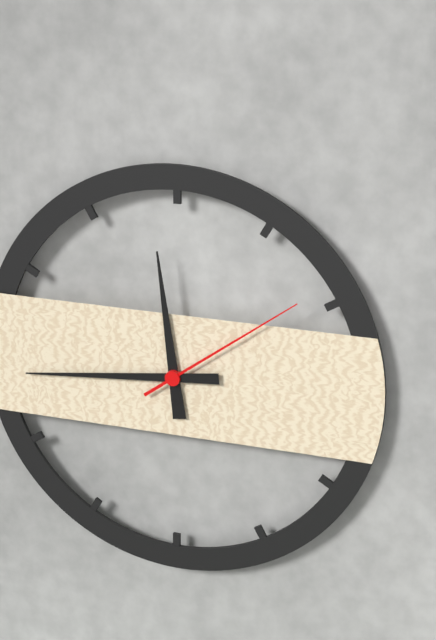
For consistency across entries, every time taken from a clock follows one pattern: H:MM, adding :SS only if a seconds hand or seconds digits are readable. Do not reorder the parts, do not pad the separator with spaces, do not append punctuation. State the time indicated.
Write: 11:44:09
